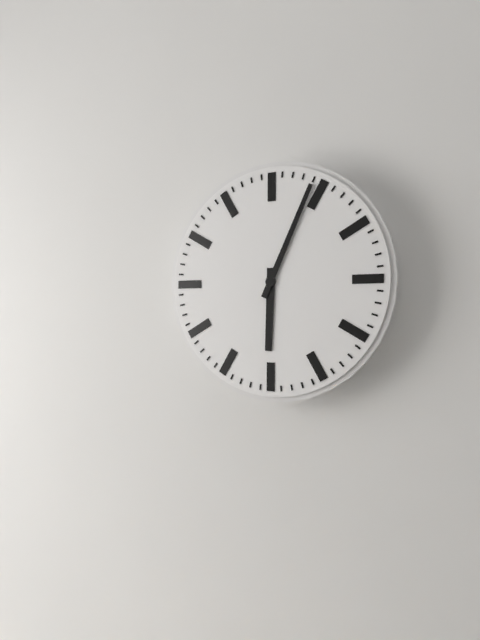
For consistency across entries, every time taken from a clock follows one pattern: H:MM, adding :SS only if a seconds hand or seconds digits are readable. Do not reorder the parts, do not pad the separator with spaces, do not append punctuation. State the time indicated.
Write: 6:04
